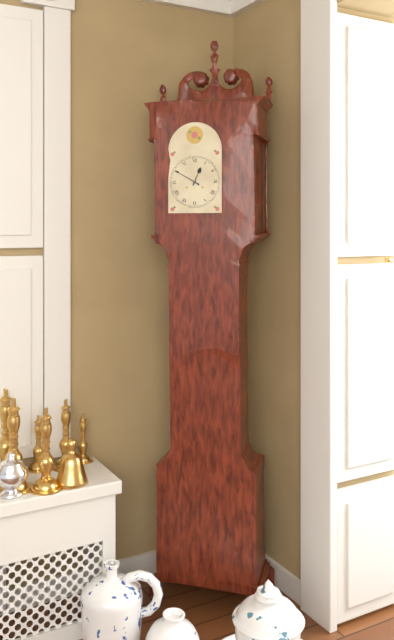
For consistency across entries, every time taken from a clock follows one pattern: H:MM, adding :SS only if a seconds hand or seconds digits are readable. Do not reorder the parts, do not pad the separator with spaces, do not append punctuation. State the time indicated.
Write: 12:50
